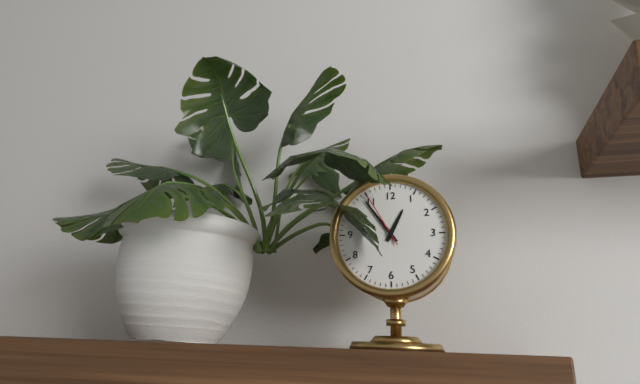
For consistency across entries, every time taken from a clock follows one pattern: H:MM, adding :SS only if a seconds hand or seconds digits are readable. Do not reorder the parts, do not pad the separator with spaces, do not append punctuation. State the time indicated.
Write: 12:54:55
